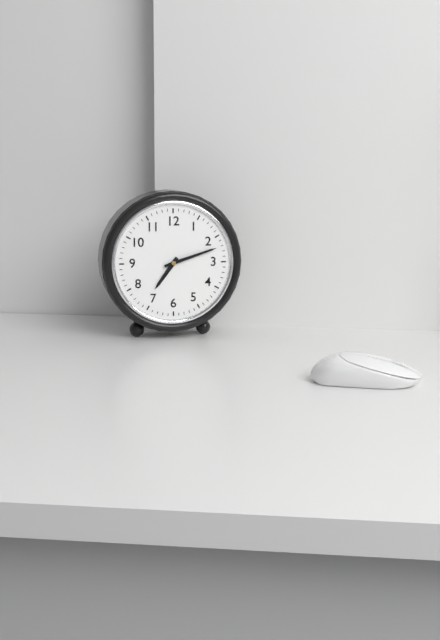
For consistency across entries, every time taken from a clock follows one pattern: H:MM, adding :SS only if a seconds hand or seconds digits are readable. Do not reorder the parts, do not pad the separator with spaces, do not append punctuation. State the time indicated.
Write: 7:12
